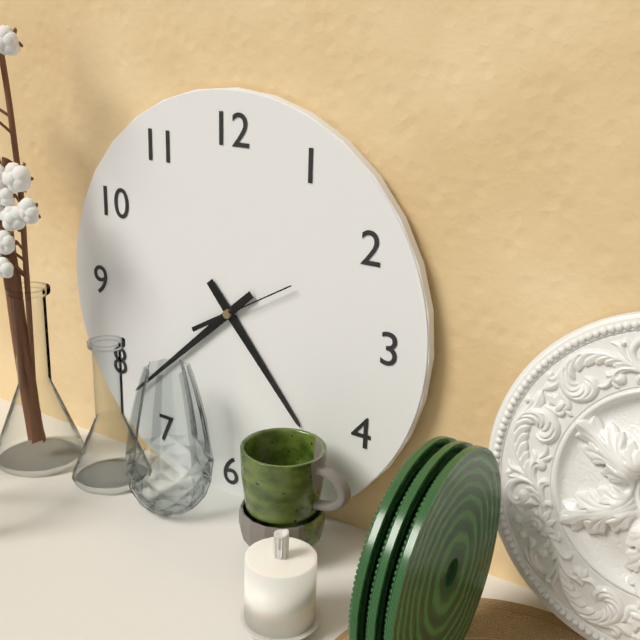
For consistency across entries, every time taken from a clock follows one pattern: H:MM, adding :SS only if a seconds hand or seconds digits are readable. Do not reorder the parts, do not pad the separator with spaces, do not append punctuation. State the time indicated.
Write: 4:38:10
